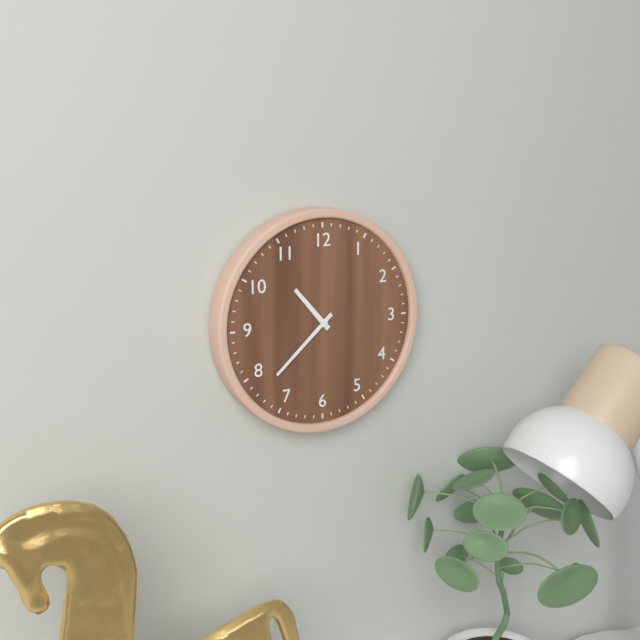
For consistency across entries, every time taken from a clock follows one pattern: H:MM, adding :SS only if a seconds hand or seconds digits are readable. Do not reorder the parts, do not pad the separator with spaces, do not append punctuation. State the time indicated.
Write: 10:38
